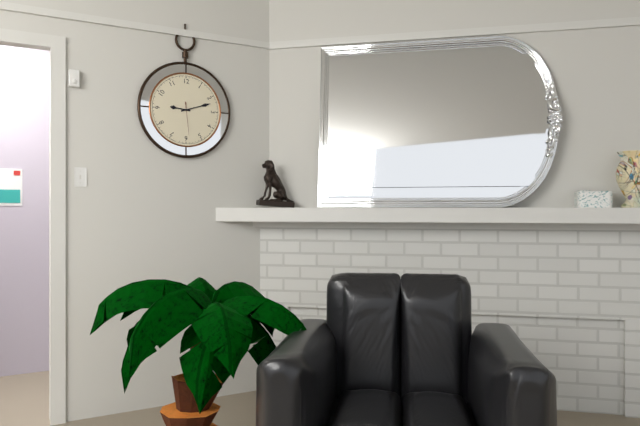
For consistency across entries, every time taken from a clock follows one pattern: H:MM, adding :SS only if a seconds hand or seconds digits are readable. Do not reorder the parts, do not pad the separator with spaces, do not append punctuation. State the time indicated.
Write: 9:12
